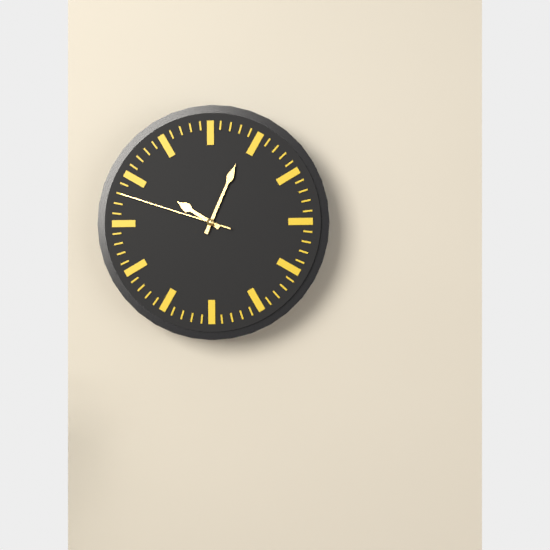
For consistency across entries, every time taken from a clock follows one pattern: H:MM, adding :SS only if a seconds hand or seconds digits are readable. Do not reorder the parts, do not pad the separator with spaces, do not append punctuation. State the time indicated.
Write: 10:04:48
